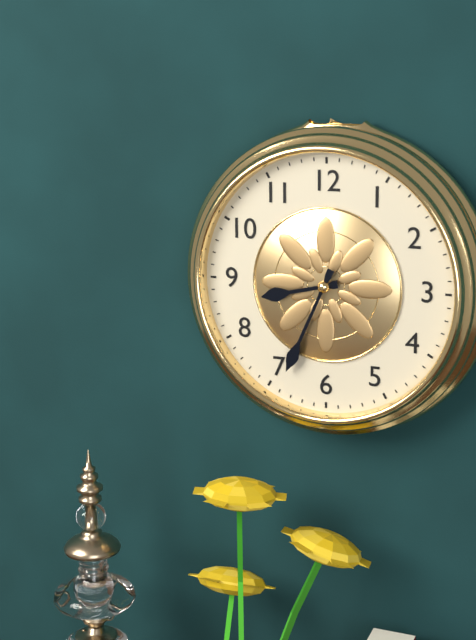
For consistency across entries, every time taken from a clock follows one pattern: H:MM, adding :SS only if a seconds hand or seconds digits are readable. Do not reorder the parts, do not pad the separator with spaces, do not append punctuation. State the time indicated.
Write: 8:34
